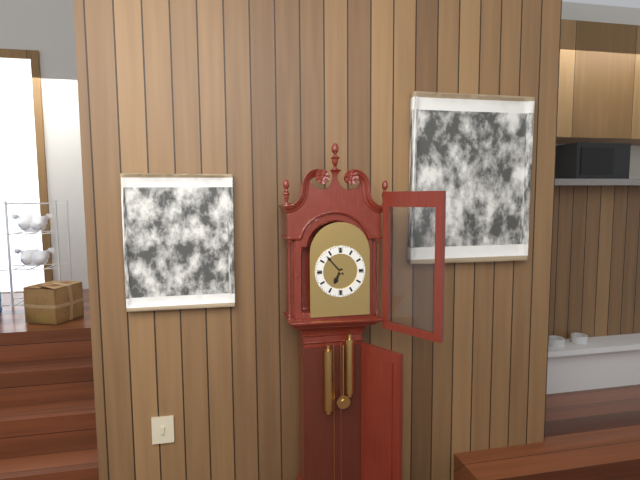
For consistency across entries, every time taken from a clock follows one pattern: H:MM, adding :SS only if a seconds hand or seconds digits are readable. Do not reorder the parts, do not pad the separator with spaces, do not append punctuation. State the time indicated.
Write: 6:53
